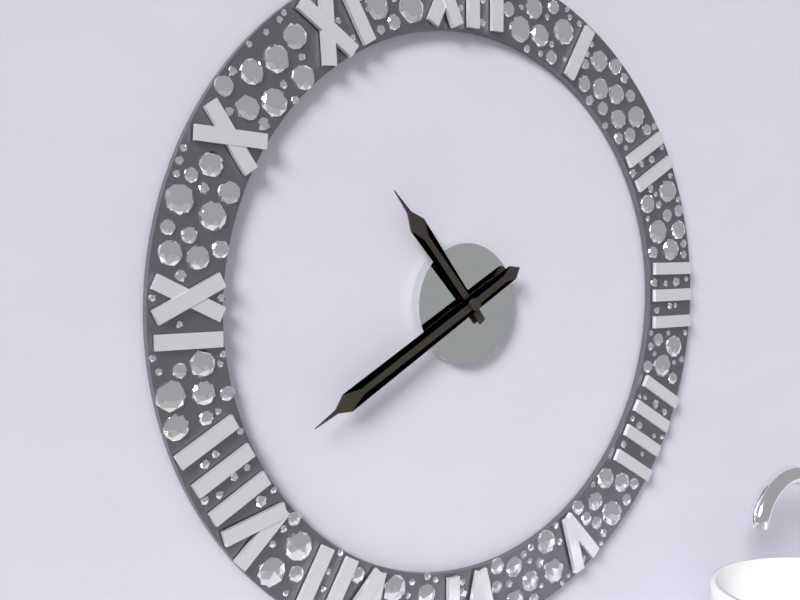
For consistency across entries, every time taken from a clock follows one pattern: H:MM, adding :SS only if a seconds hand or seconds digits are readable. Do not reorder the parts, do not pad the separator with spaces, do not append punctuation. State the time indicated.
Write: 10:40
